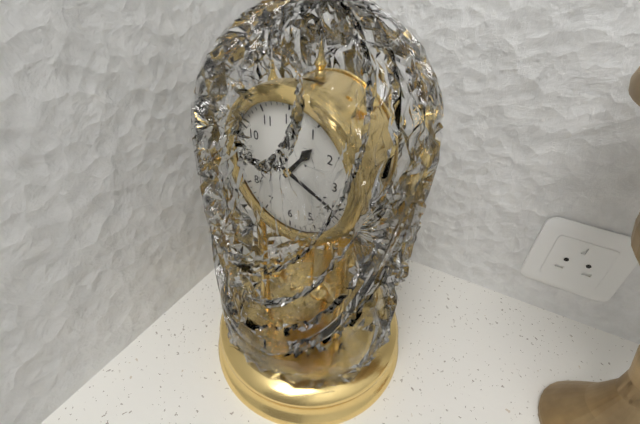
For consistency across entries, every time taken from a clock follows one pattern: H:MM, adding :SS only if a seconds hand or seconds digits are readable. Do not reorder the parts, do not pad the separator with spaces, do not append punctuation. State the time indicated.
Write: 1:19
